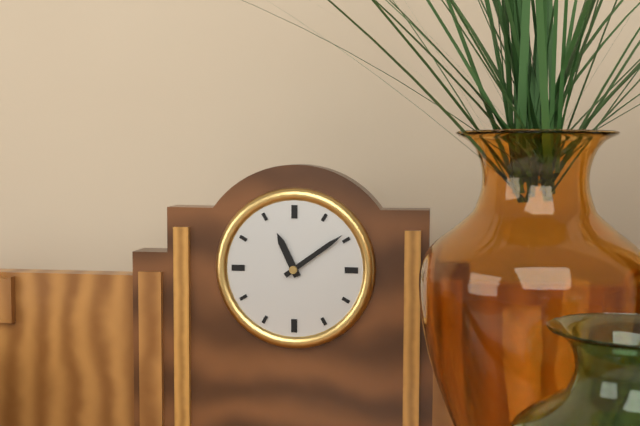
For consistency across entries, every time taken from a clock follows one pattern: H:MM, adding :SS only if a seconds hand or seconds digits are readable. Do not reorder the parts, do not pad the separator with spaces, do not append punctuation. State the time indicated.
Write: 11:09
